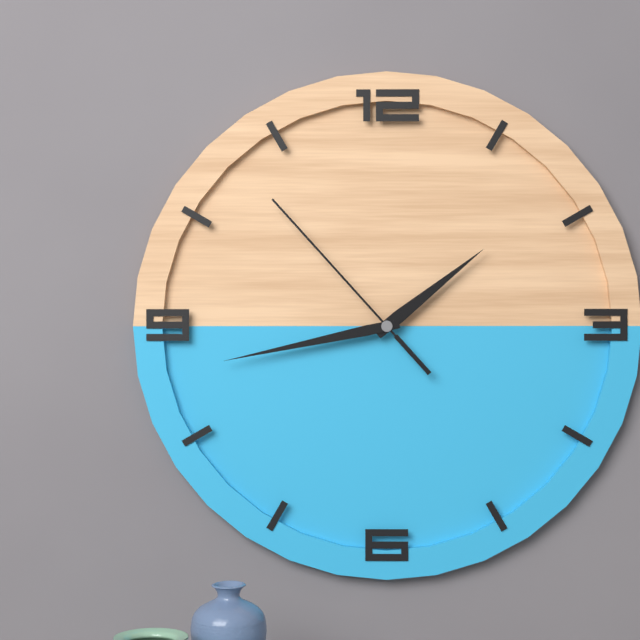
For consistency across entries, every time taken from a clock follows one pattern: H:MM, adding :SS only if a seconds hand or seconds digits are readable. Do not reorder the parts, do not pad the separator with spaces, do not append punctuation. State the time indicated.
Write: 1:43:53
